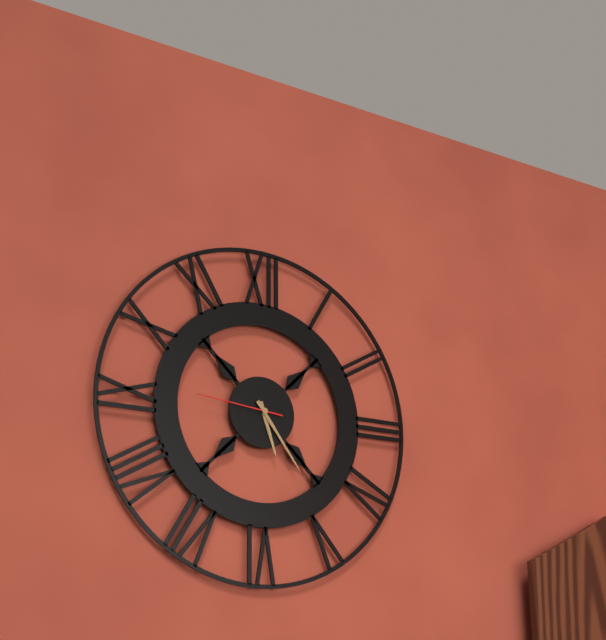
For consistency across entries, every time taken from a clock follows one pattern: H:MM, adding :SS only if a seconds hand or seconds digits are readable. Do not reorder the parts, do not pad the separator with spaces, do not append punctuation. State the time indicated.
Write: 5:24:46
